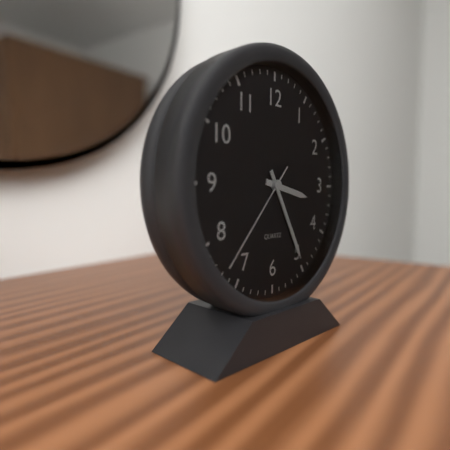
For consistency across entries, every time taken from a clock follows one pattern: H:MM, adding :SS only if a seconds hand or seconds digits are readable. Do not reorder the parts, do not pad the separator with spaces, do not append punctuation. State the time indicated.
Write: 3:25:37
